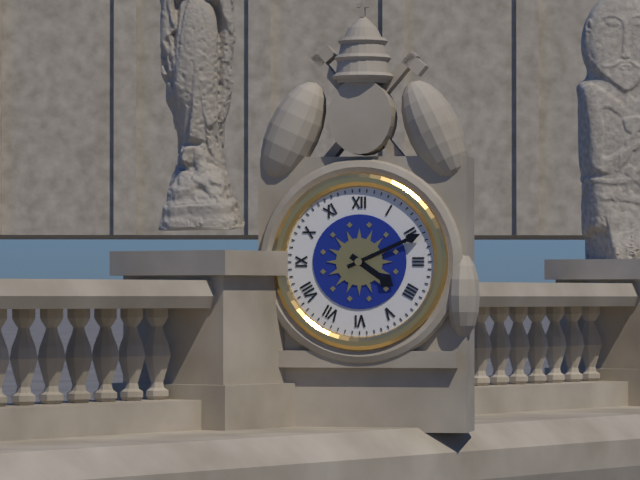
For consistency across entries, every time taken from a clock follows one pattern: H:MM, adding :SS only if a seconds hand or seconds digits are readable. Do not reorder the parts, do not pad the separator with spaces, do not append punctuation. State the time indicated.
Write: 4:11
